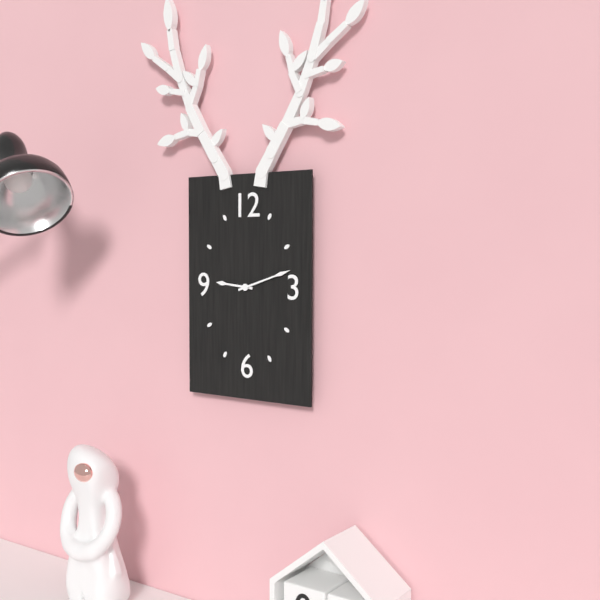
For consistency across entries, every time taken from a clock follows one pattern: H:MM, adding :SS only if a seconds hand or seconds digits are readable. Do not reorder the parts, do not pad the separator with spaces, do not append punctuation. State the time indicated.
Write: 9:12
